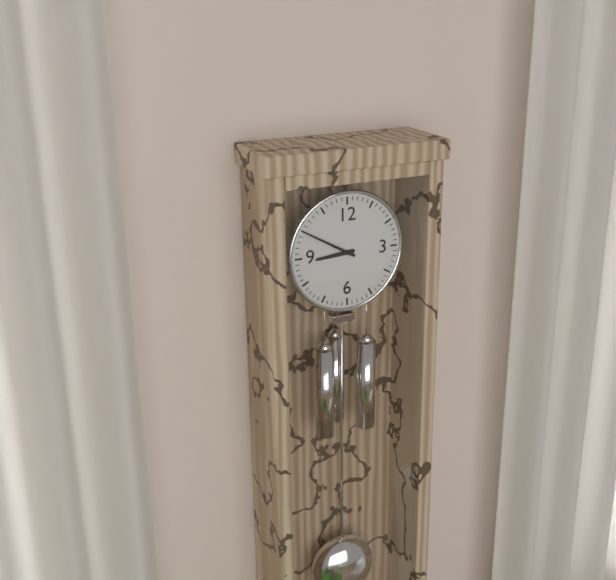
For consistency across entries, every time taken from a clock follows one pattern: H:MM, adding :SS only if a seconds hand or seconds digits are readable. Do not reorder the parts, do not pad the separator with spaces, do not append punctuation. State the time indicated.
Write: 8:50
